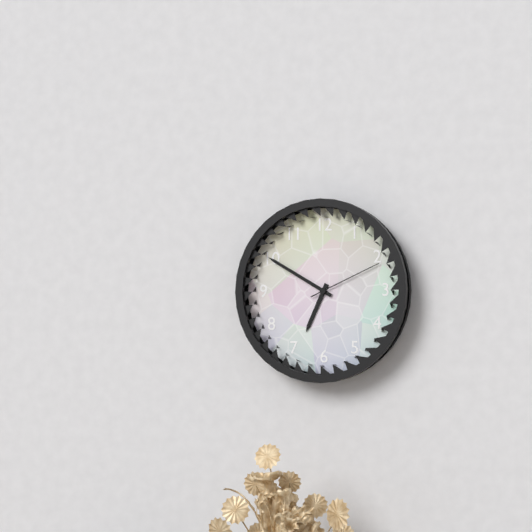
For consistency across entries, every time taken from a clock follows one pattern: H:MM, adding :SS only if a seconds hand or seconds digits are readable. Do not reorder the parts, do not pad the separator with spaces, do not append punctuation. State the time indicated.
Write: 6:50:11
